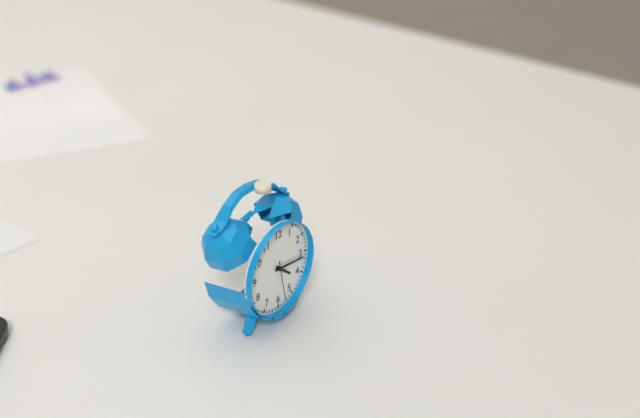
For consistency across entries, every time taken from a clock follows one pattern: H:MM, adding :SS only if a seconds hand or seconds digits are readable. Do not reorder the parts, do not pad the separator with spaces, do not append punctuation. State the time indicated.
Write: 4:16
